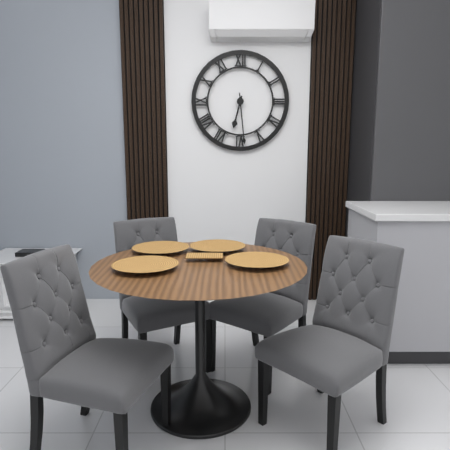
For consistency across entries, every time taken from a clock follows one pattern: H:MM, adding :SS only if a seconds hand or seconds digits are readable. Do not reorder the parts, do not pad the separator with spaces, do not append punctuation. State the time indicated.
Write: 6:29
